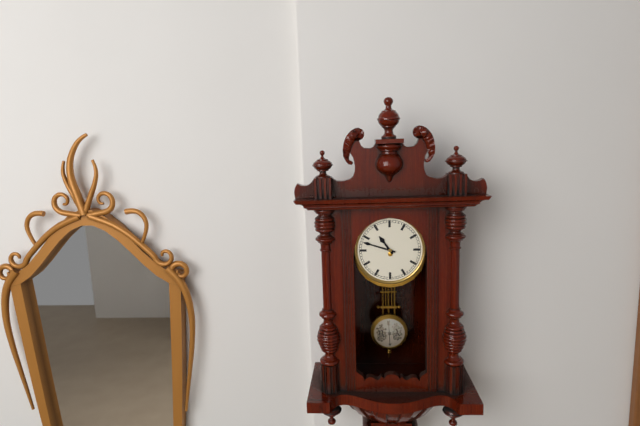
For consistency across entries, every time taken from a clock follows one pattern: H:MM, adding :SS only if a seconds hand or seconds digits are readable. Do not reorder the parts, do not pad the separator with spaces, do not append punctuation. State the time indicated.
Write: 10:48
